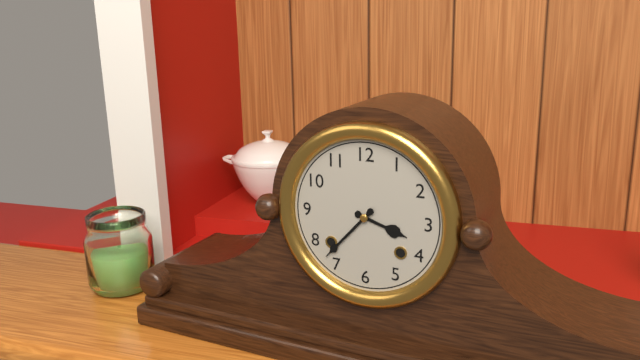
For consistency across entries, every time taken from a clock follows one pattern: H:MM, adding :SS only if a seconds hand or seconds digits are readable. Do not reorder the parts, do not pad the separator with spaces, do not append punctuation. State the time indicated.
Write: 3:37
